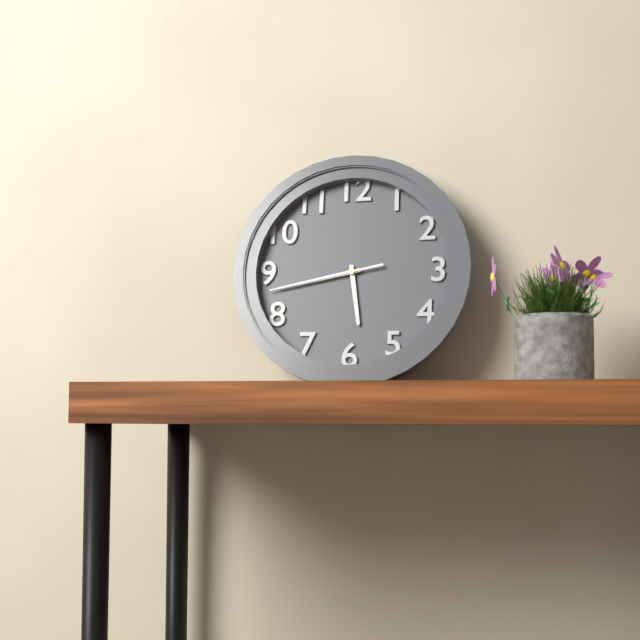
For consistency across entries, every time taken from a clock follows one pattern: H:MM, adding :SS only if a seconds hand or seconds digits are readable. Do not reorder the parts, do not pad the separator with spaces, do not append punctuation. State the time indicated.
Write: 5:43:43
